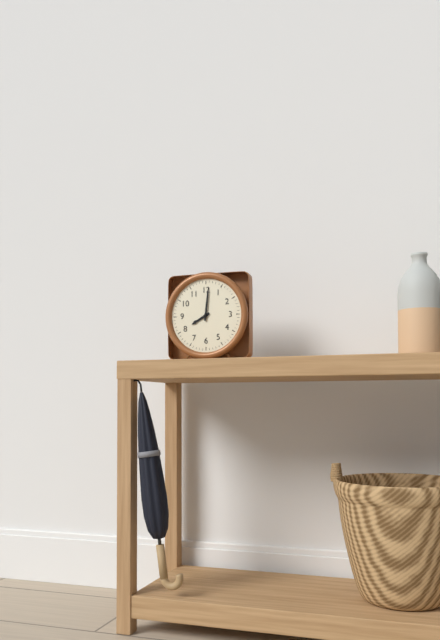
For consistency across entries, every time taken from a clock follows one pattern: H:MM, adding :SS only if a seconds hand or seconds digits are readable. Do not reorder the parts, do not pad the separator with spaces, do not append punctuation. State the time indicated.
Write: 8:01
